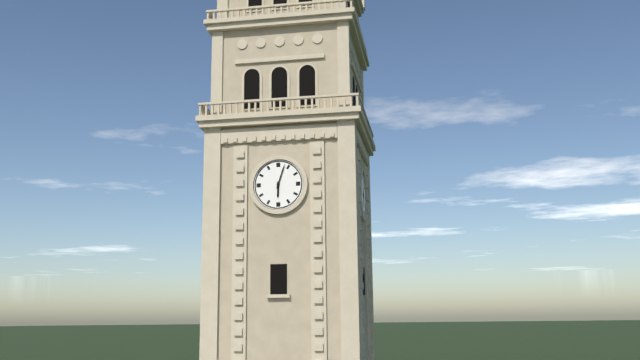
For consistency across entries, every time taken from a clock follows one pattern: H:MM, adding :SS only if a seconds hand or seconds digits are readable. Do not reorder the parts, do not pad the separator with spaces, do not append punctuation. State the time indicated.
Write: 6:03
